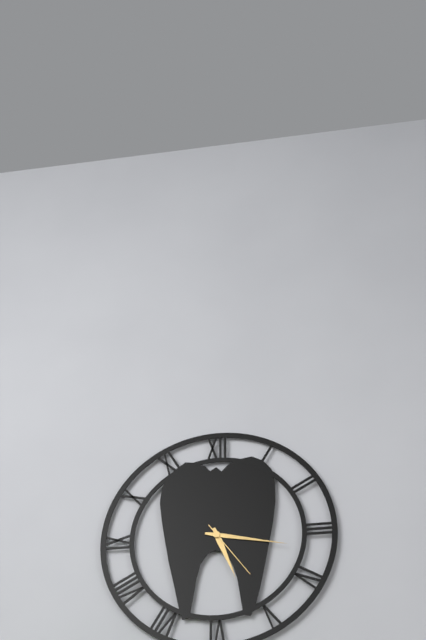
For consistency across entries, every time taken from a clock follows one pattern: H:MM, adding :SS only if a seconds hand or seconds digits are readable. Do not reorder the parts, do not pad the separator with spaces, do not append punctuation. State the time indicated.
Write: 5:17:24
